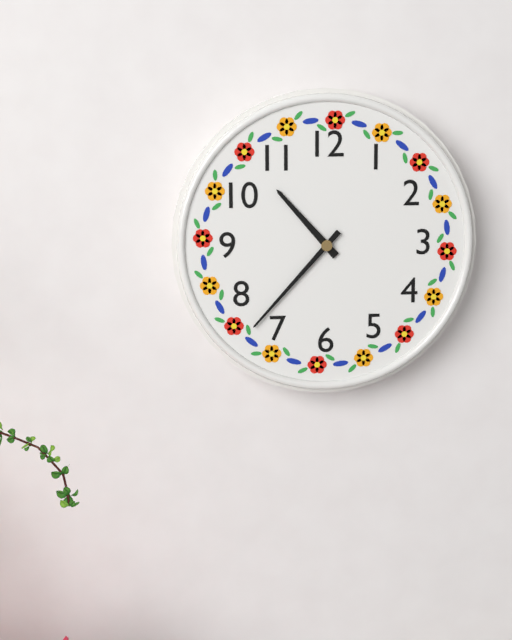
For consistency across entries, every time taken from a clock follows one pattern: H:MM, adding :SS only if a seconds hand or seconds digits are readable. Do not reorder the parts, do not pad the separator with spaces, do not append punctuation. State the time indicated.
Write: 10:37
